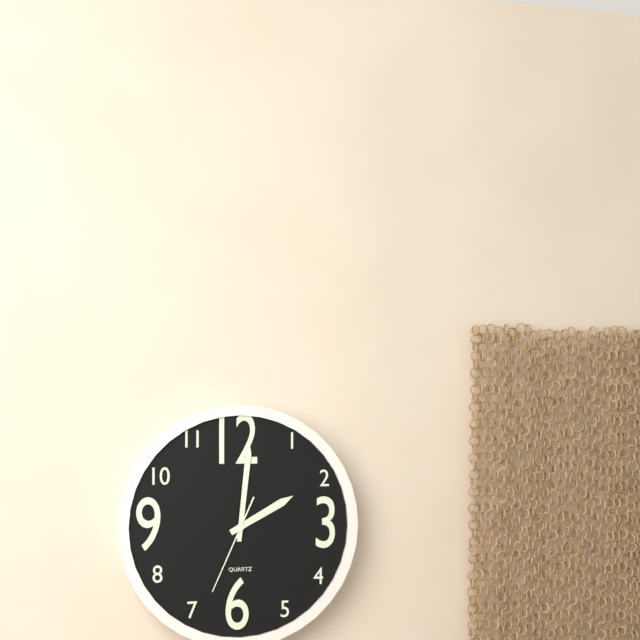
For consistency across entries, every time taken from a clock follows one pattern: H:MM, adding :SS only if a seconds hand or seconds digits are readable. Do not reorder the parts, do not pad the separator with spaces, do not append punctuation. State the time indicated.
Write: 2:01:34
